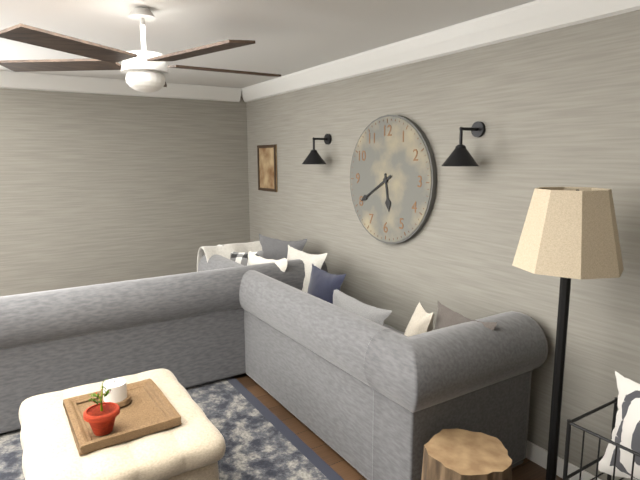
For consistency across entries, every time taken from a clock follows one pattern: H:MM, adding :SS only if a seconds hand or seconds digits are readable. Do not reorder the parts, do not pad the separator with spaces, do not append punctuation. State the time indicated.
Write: 5:40
